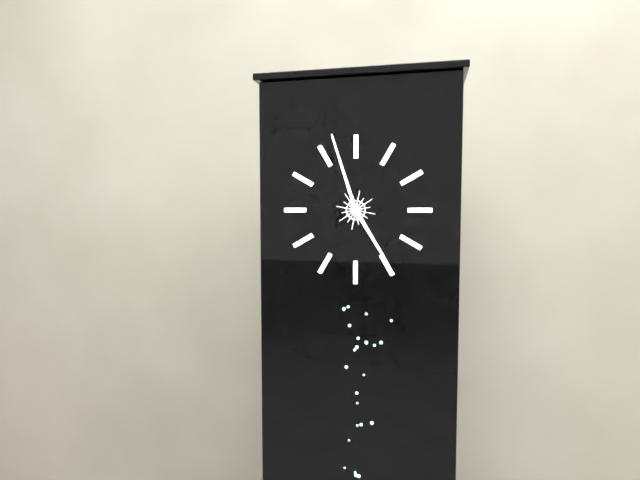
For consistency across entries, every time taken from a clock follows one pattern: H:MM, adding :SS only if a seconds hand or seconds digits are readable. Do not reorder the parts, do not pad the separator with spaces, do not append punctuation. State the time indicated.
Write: 4:57
